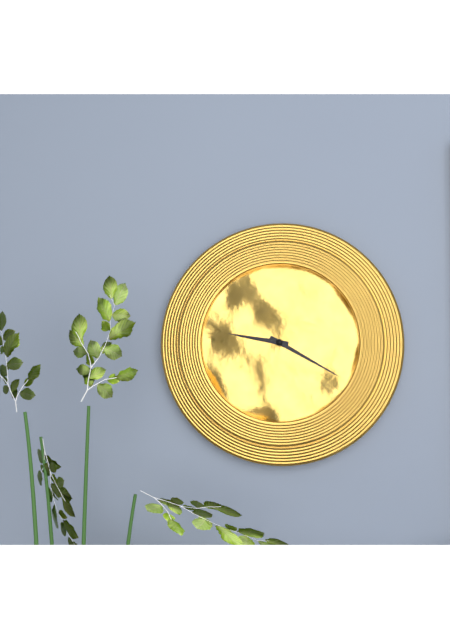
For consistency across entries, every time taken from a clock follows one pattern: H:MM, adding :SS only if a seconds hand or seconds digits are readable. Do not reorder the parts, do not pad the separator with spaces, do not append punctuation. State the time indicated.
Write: 9:20
